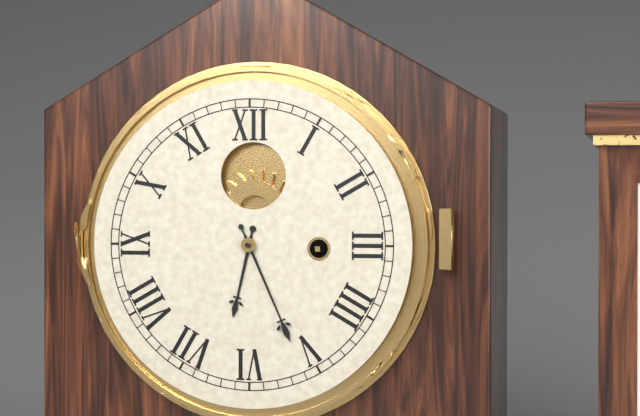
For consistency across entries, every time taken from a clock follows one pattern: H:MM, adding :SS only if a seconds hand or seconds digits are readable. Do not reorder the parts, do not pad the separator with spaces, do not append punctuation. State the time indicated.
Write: 6:26
